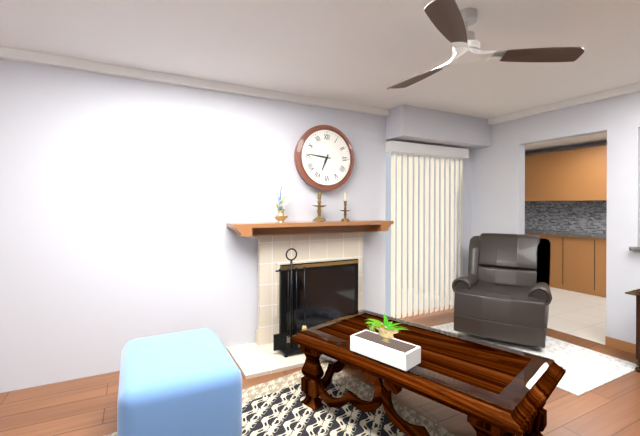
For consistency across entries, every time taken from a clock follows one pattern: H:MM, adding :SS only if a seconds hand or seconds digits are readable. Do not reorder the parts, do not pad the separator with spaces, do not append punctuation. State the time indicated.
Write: 6:46
